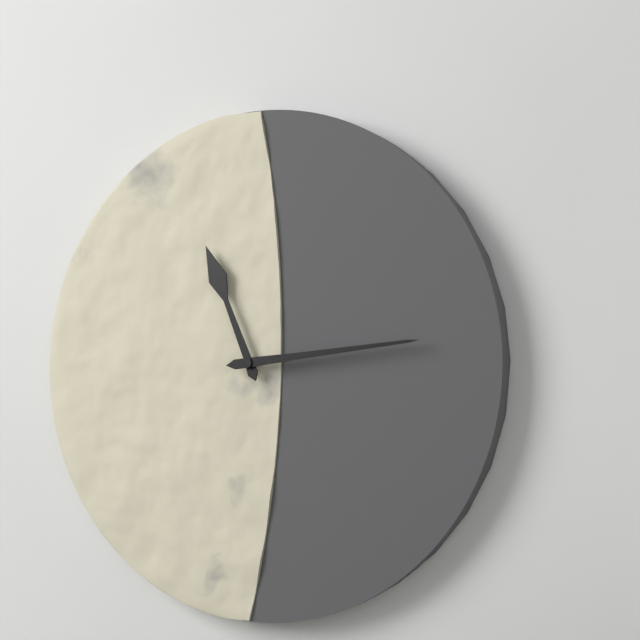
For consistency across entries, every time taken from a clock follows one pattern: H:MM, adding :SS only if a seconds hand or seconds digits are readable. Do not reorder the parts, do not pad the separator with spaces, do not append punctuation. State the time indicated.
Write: 11:14
